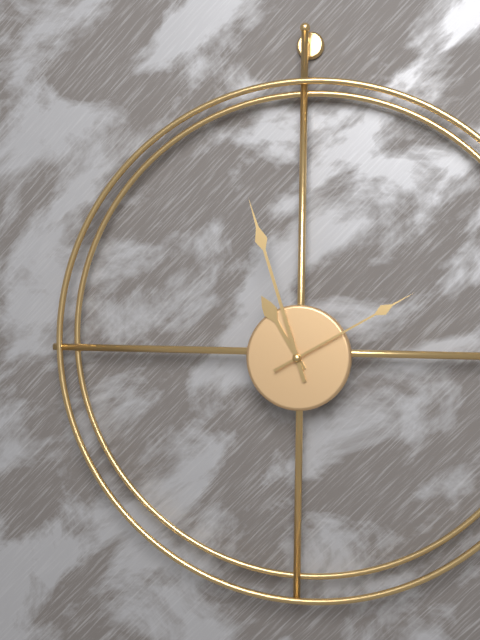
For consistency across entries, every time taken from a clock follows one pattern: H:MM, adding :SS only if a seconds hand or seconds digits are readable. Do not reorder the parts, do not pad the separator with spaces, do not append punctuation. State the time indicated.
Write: 10:57:10
